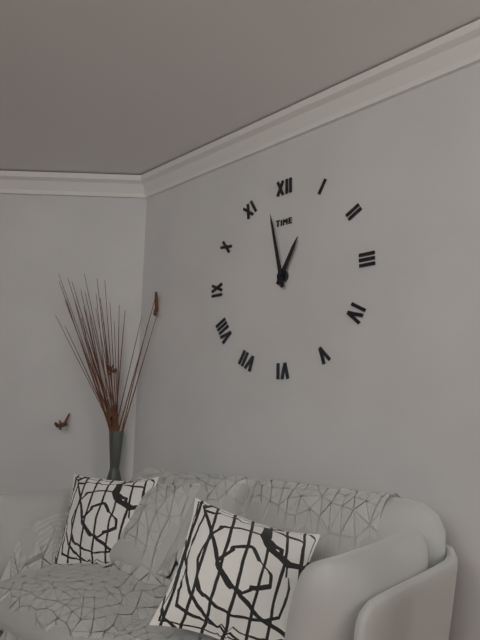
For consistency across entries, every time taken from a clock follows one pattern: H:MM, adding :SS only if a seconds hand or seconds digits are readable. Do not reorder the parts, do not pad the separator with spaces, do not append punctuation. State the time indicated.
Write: 12:58
